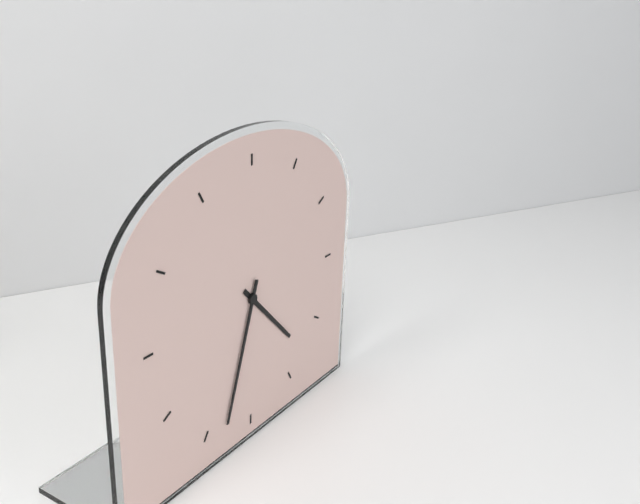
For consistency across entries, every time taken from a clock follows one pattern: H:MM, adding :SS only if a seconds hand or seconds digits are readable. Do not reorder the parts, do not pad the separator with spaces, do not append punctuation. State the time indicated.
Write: 4:33
